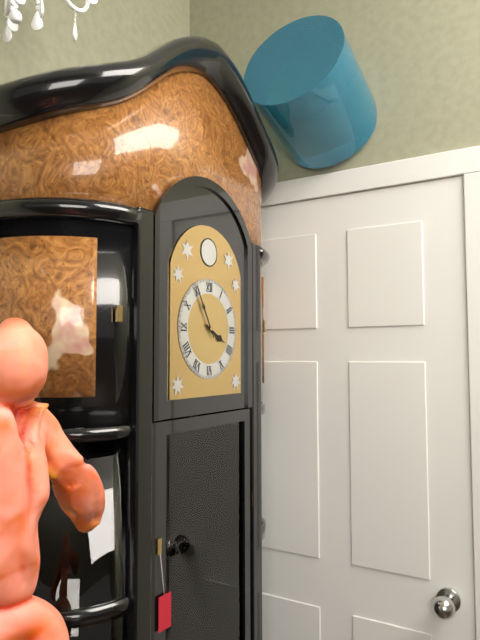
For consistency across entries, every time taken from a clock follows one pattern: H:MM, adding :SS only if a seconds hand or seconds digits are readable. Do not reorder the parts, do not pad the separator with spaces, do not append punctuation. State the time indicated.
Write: 3:55
